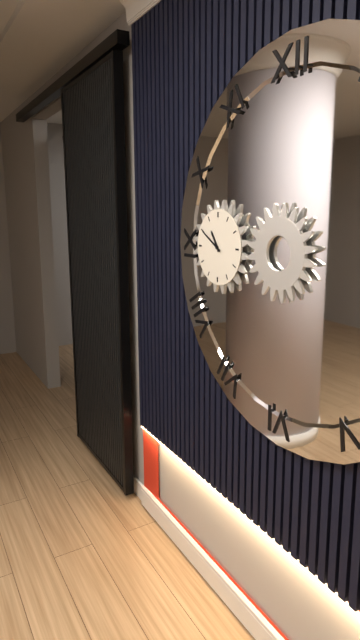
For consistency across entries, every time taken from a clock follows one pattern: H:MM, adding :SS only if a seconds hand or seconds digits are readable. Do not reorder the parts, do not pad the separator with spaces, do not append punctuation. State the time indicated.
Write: 10:50
